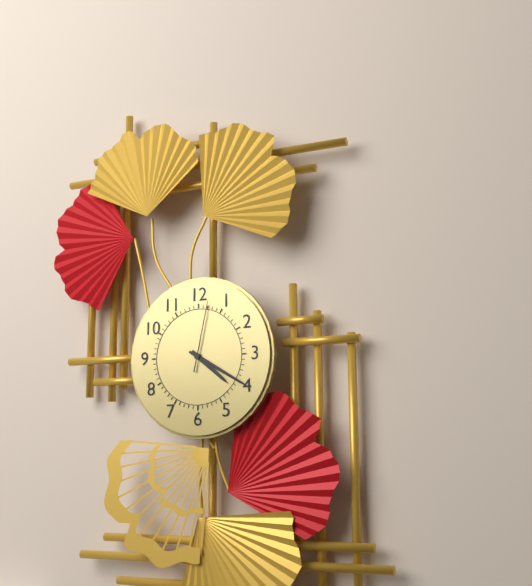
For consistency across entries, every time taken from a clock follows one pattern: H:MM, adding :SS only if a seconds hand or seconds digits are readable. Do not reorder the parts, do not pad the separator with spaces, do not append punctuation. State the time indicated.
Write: 4:20:02
